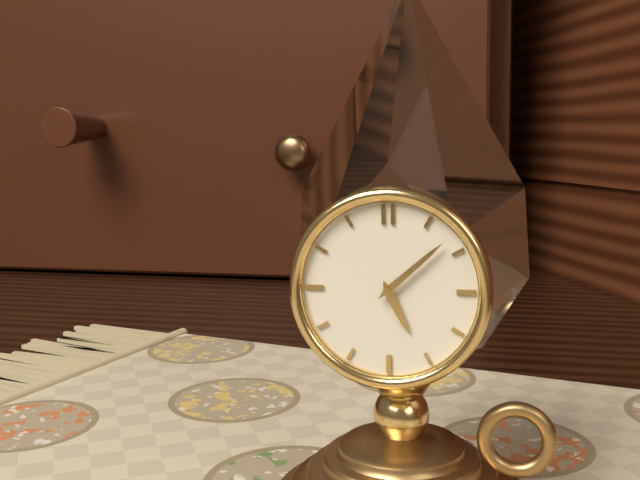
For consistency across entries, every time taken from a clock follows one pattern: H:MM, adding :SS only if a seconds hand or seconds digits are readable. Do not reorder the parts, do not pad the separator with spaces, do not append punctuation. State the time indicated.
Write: 5:08
